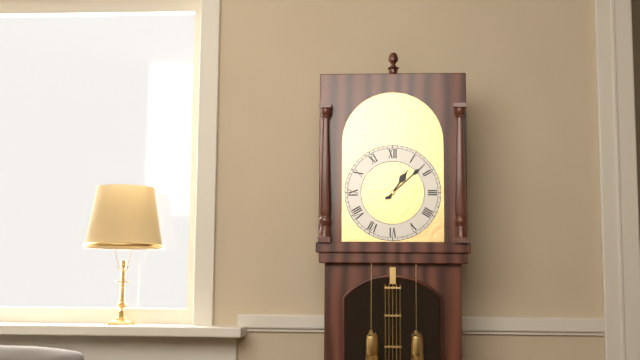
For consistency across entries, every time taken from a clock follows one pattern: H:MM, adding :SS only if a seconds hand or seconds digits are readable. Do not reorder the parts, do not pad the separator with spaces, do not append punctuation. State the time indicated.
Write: 1:08
